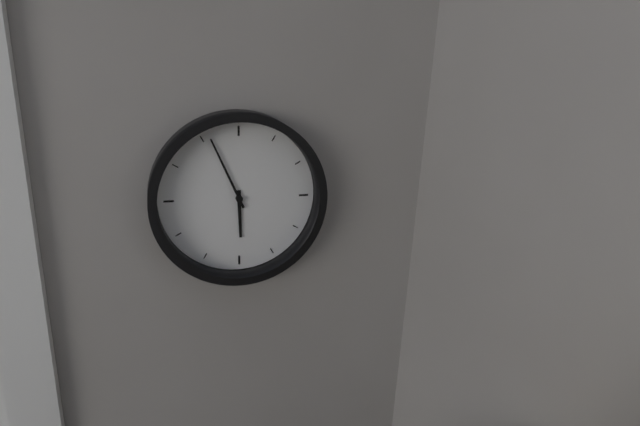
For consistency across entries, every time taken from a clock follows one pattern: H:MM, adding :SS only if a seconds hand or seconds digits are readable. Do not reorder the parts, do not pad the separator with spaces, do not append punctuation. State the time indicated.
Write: 5:56
